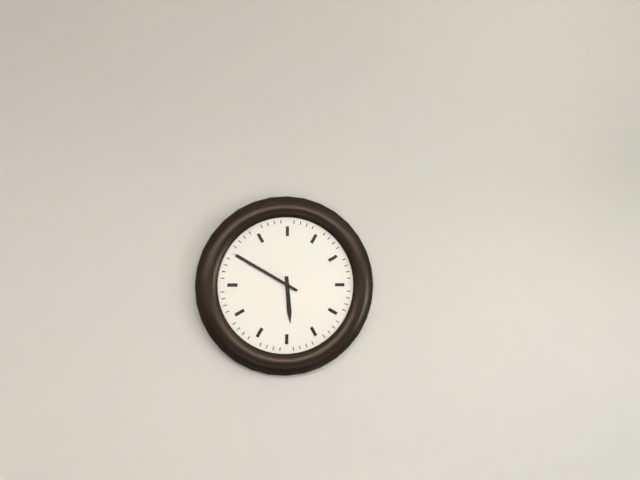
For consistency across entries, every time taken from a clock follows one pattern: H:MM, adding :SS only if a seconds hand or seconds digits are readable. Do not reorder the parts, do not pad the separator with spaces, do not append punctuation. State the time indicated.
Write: 5:50
